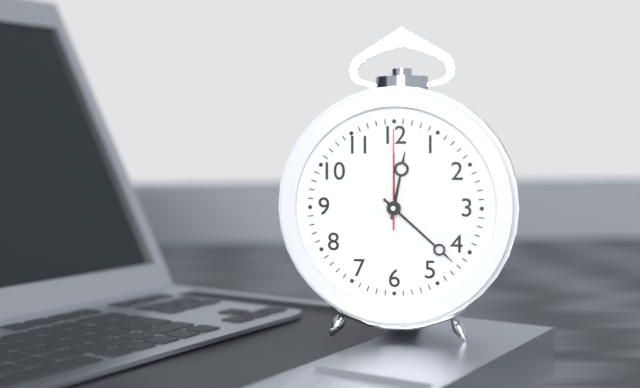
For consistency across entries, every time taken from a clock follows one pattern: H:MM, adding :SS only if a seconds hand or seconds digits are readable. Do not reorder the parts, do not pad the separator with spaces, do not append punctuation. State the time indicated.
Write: 12:22:00
